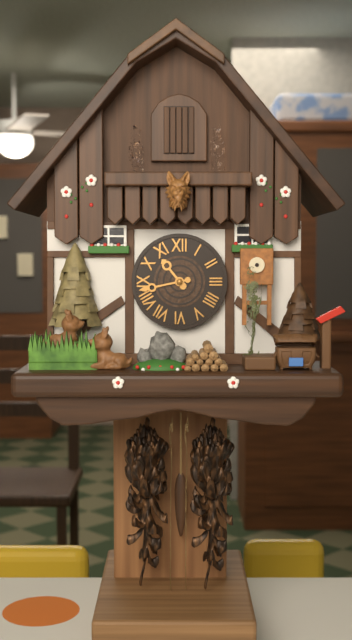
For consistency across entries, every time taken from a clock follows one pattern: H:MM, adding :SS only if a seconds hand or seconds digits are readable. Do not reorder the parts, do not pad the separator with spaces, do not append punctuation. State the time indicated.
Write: 10:43
